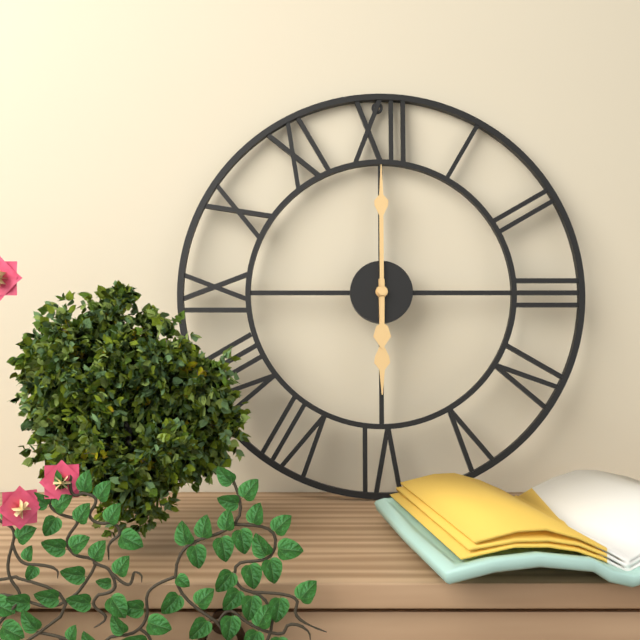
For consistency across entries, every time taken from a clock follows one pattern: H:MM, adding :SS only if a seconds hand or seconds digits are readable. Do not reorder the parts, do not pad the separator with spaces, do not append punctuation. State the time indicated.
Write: 6:00
